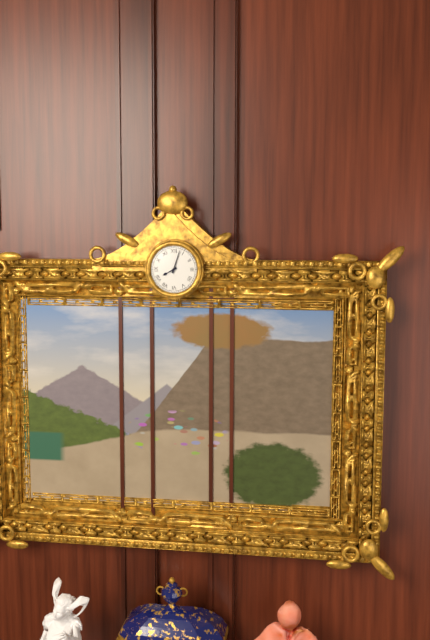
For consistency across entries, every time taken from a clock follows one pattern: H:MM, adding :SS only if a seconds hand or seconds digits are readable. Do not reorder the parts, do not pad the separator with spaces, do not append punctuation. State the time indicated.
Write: 8:03
